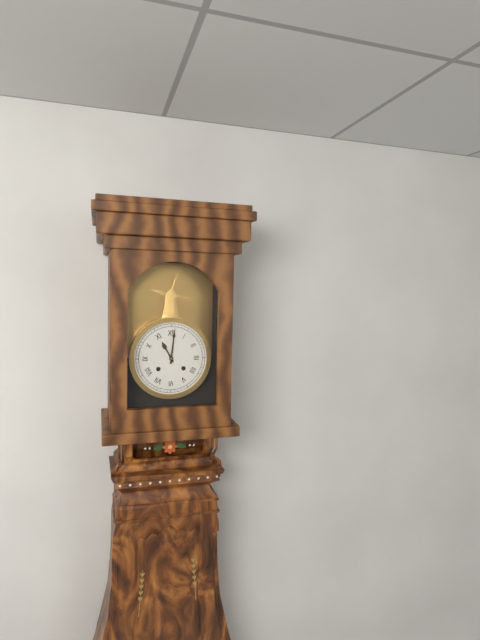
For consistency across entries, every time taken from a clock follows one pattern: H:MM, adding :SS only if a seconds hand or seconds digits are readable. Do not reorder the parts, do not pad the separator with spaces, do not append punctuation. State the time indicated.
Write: 11:01
